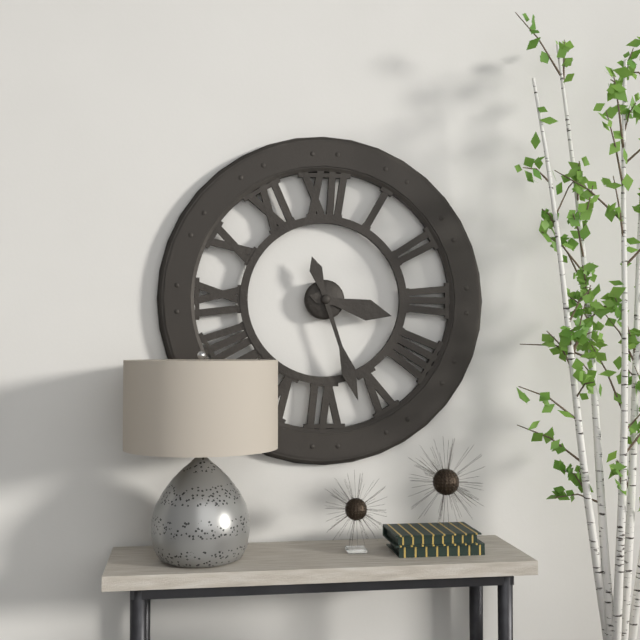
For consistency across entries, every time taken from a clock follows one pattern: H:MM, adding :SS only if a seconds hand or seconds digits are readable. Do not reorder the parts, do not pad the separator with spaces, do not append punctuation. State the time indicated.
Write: 3:27
